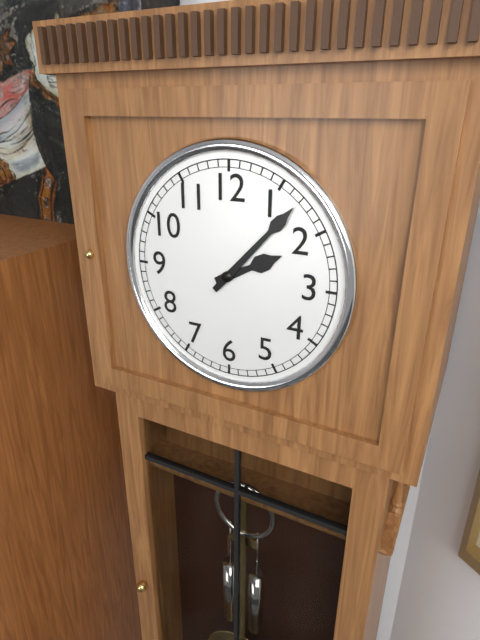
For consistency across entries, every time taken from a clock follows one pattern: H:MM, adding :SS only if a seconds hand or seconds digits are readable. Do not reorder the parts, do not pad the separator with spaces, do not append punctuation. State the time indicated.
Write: 2:07
